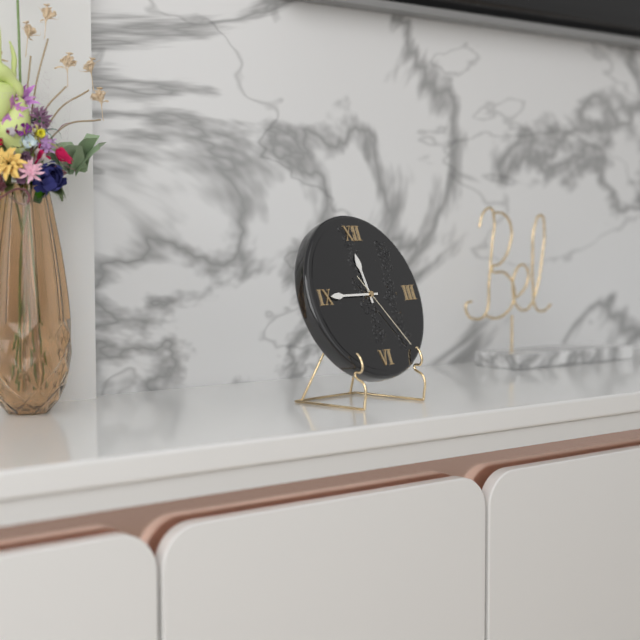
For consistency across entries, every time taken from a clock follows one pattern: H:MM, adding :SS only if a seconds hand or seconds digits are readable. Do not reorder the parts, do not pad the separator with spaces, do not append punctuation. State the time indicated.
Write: 11:45:24
